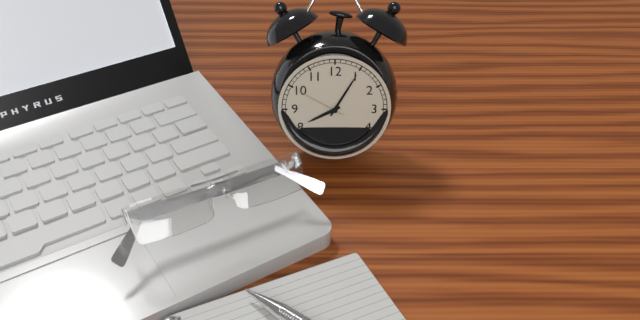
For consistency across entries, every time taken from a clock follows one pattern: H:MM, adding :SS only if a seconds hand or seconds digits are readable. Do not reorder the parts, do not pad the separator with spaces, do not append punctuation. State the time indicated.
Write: 8:05:50
